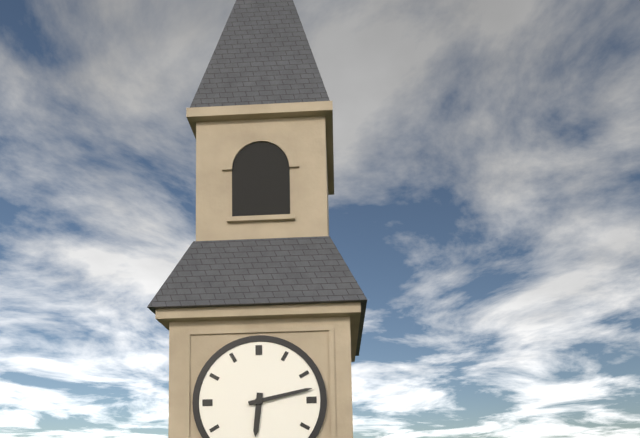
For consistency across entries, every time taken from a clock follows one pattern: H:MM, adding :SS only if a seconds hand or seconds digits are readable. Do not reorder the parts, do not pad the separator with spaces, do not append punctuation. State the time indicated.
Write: 6:13
